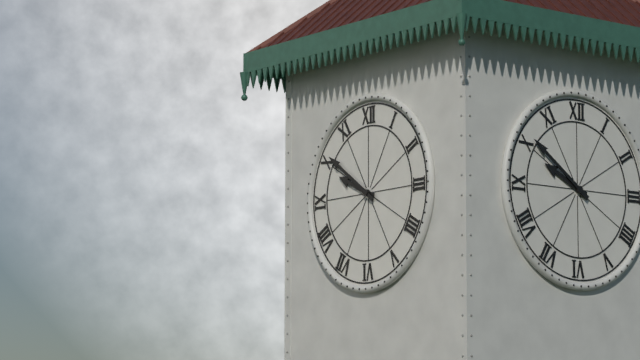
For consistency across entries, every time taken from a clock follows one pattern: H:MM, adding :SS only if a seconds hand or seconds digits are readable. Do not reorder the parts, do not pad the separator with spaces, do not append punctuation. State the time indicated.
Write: 9:51
